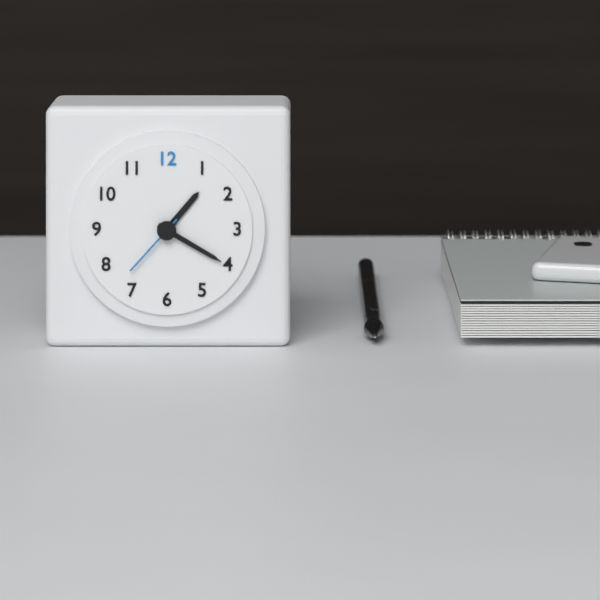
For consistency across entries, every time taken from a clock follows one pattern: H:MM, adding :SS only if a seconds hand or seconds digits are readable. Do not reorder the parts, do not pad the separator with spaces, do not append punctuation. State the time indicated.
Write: 1:20:37
